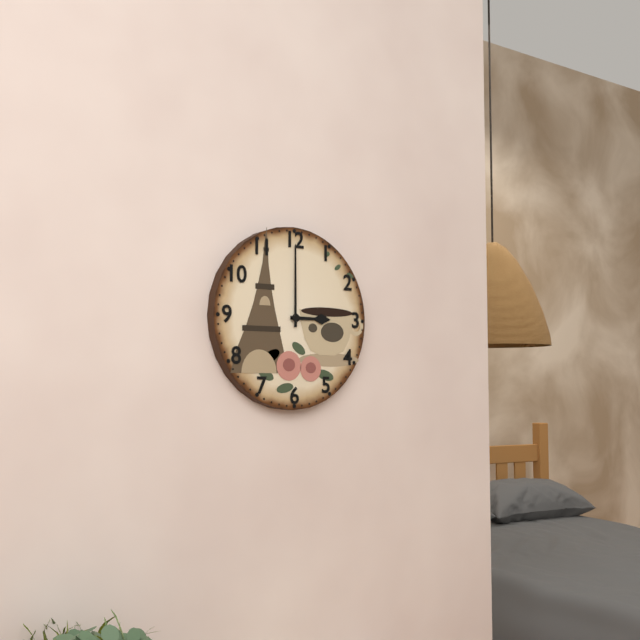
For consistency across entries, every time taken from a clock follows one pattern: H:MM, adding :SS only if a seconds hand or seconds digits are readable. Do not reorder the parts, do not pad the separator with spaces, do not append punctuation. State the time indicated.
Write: 3:00
